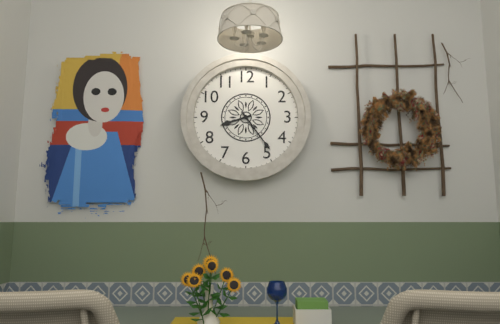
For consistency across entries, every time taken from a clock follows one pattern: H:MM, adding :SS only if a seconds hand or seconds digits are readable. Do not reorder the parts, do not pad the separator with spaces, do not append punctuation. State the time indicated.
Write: 8:24
